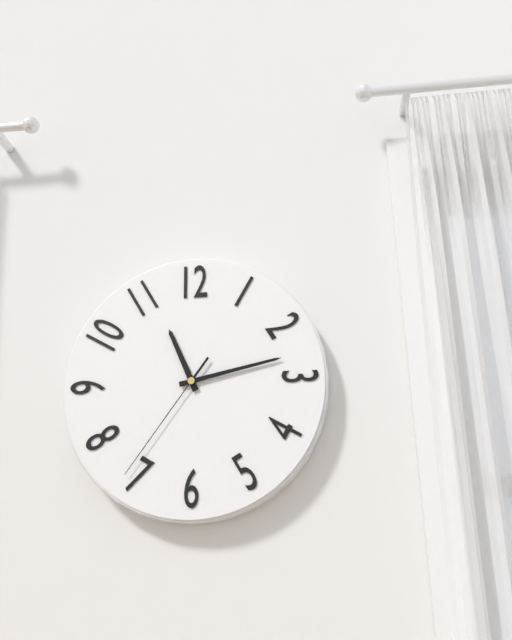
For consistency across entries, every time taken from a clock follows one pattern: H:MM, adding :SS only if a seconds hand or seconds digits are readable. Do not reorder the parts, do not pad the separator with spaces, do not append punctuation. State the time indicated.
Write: 11:13:36
